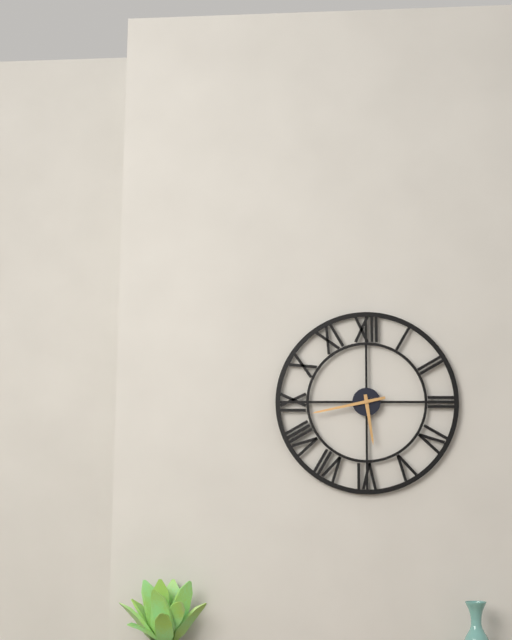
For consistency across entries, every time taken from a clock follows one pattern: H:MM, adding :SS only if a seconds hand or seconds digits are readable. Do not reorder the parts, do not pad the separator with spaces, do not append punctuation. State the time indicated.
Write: 5:43
